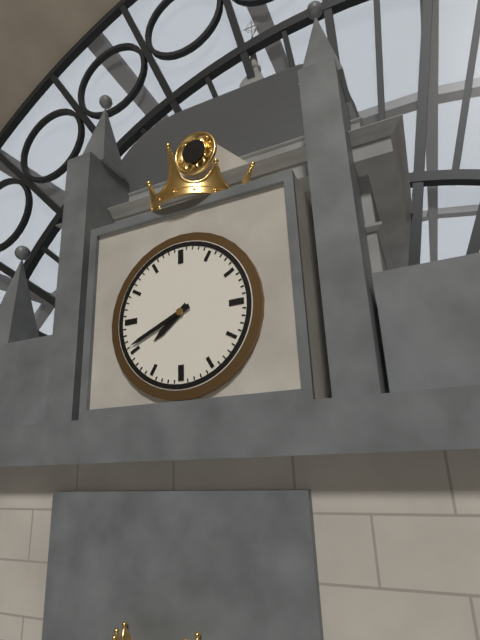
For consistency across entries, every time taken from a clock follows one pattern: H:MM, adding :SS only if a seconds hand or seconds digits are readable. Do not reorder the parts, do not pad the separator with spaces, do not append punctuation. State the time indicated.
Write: 7:41
